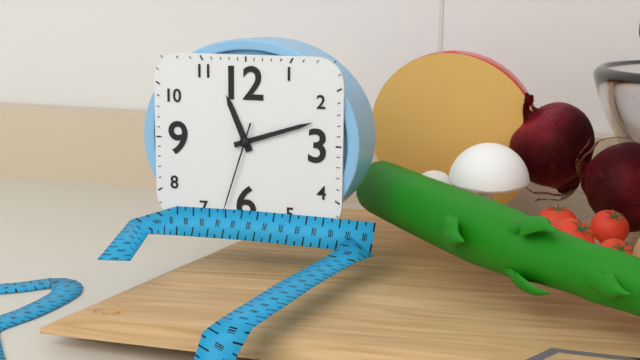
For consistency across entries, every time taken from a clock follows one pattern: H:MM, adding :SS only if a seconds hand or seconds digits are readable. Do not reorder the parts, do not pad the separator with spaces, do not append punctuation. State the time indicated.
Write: 11:12:33
